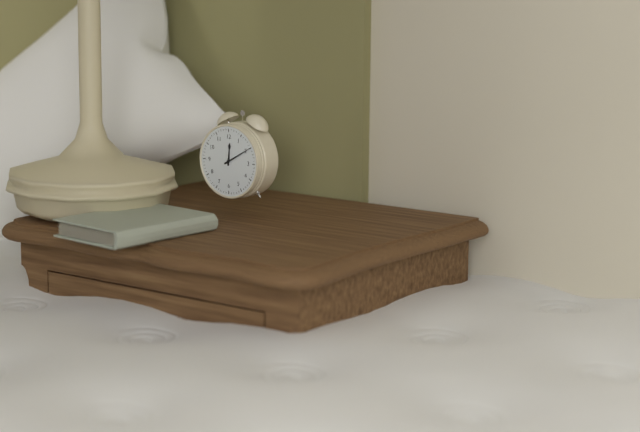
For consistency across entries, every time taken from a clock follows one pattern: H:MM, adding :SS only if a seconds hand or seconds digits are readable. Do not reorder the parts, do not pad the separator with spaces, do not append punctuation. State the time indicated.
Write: 12:10
